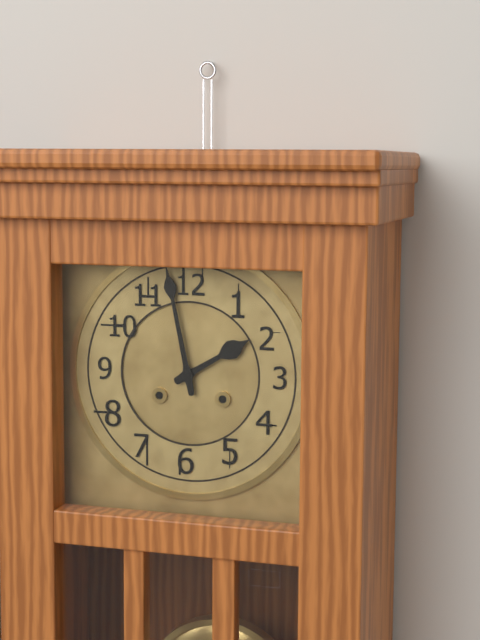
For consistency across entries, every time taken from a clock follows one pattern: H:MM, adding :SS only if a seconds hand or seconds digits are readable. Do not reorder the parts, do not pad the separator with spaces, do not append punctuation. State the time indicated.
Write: 1:58
